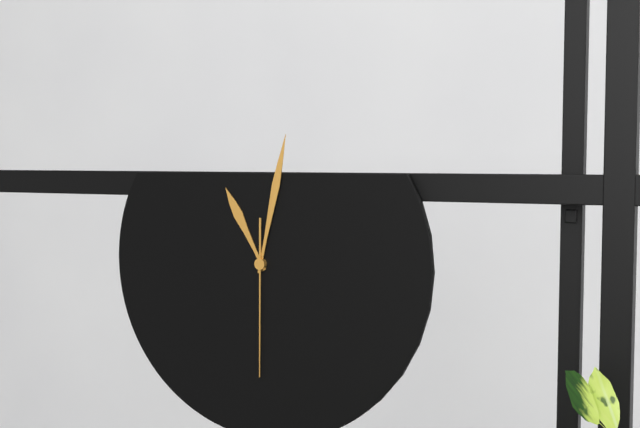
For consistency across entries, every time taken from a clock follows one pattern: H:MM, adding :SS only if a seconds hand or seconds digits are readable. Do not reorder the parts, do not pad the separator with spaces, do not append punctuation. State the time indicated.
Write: 11:02:30
